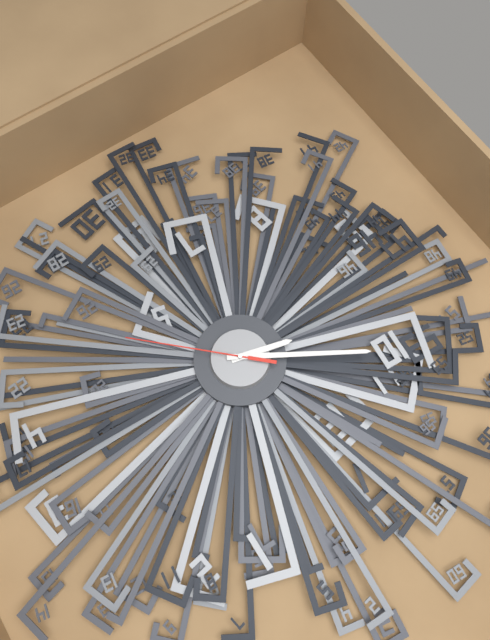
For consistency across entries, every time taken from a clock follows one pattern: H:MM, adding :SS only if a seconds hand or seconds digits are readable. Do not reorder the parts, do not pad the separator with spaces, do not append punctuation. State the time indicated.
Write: 9:52:24
